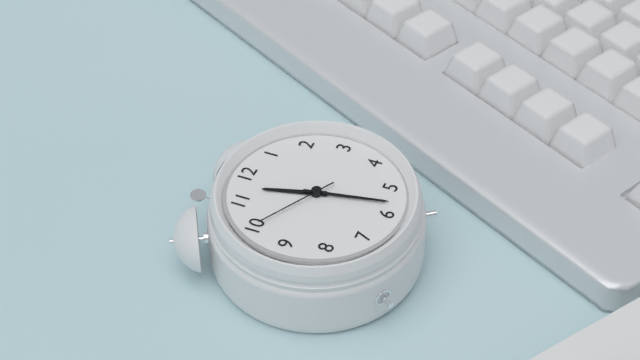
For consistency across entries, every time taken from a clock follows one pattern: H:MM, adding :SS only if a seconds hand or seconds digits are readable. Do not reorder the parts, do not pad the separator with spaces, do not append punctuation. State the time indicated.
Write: 11:28:50
